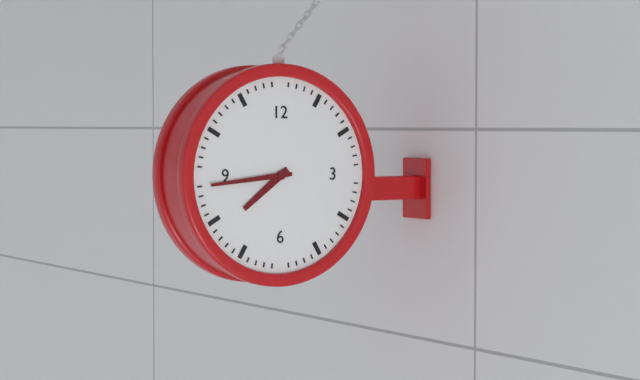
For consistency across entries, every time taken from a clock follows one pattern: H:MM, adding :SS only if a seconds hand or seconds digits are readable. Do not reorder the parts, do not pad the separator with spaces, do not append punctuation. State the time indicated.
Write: 7:44
